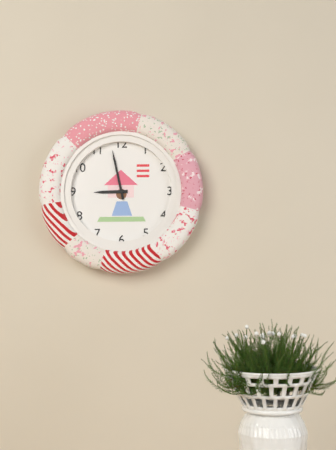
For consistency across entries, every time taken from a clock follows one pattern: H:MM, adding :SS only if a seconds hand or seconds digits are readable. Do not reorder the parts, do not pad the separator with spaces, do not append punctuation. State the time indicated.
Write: 8:58
